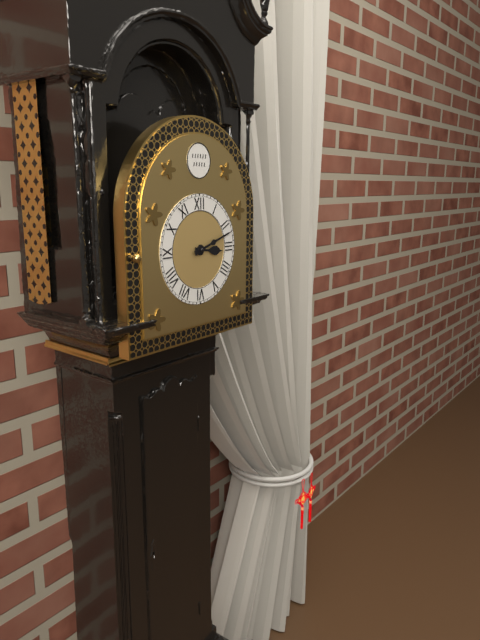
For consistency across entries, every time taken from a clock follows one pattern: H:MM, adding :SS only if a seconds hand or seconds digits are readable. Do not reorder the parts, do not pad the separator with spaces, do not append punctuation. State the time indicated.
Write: 3:12
